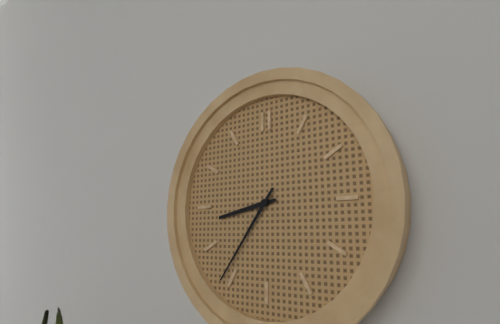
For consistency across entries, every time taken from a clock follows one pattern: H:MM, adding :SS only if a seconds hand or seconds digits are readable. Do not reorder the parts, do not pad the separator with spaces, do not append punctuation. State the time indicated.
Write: 8:36
